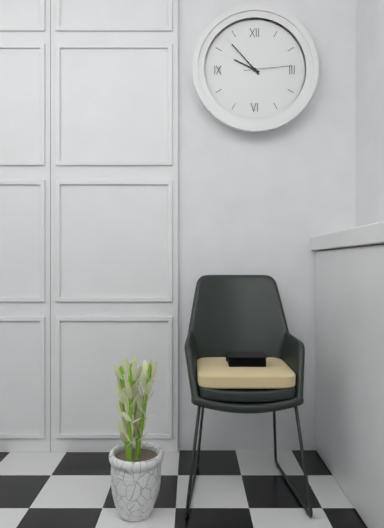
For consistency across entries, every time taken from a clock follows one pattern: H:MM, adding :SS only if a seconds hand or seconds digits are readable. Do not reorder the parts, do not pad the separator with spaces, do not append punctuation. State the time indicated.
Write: 9:53
